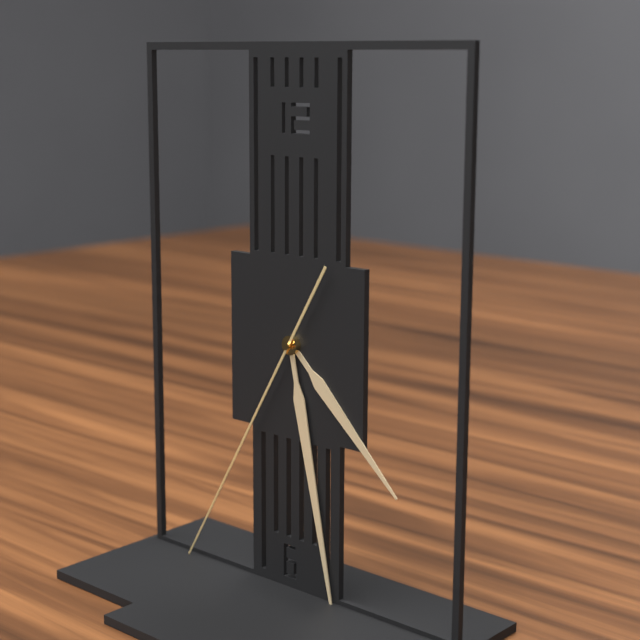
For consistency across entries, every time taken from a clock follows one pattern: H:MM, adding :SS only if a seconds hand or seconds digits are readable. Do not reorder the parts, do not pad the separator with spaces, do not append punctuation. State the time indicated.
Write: 4:28:35
